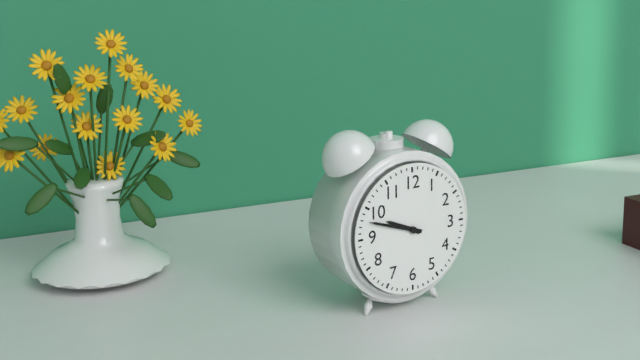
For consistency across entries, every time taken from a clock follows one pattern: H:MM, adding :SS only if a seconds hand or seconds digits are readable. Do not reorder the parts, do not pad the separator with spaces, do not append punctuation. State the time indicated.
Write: 9:48
